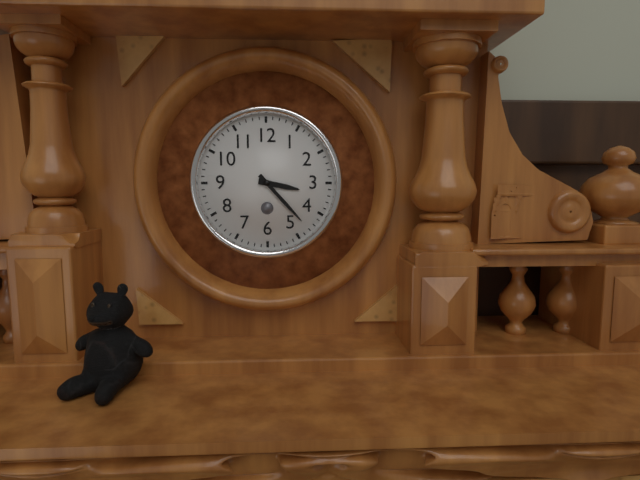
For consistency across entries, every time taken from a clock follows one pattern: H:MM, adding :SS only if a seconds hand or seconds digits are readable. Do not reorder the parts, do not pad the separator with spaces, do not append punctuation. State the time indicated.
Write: 3:23
